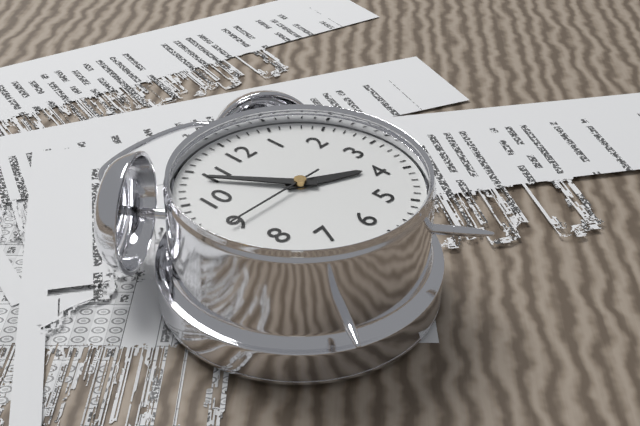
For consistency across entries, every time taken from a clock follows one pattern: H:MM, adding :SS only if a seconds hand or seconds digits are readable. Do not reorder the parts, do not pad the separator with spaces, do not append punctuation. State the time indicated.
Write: 3:54:45
